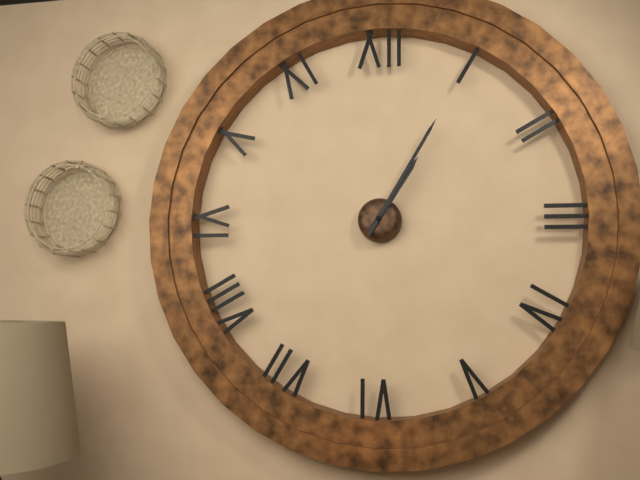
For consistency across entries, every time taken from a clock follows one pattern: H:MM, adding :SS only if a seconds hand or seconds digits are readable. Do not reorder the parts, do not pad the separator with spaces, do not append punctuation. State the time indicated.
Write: 1:05
